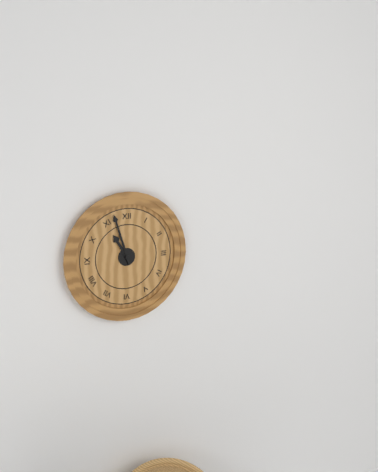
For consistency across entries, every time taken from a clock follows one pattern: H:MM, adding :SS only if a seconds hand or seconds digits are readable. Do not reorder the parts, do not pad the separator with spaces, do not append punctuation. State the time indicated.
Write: 10:57
